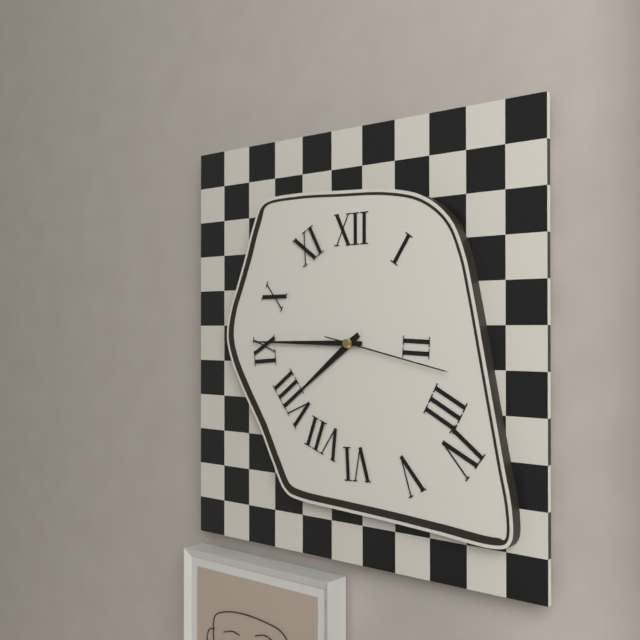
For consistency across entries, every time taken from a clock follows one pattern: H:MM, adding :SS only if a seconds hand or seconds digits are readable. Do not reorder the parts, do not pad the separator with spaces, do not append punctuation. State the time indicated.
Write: 7:45:17
